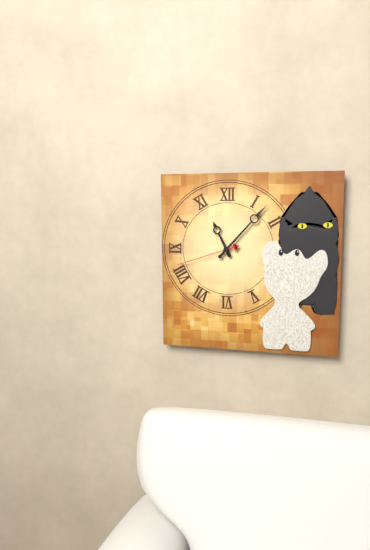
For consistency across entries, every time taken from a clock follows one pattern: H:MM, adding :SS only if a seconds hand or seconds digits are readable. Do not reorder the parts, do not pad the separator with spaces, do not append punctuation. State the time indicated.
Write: 11:07:42
